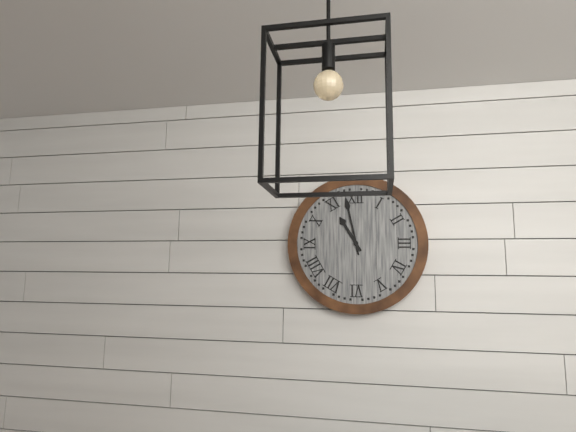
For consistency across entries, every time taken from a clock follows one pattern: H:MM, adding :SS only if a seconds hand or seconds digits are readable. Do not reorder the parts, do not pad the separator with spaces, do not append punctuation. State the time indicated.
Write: 10:58
